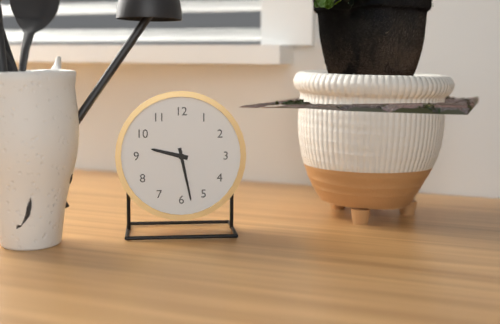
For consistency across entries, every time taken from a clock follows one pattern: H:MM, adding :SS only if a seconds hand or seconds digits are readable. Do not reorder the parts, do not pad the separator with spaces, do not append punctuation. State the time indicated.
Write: 9:28
